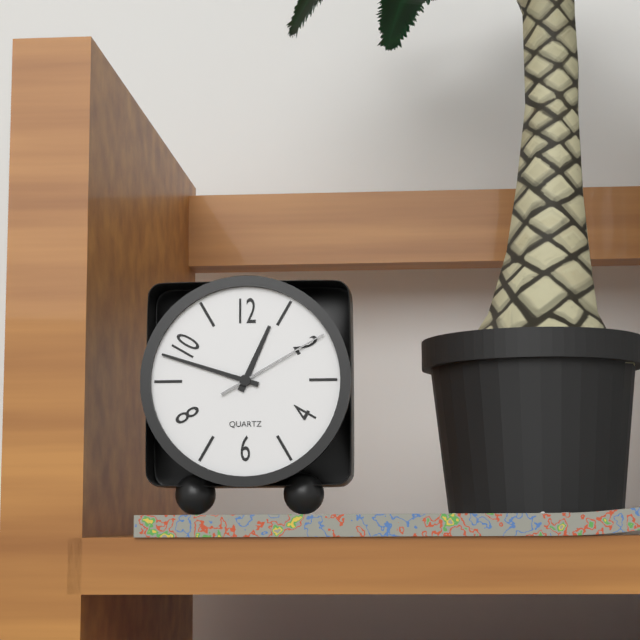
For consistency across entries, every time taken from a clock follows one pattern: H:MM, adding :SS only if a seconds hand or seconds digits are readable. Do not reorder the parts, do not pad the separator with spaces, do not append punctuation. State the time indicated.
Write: 12:48:10
